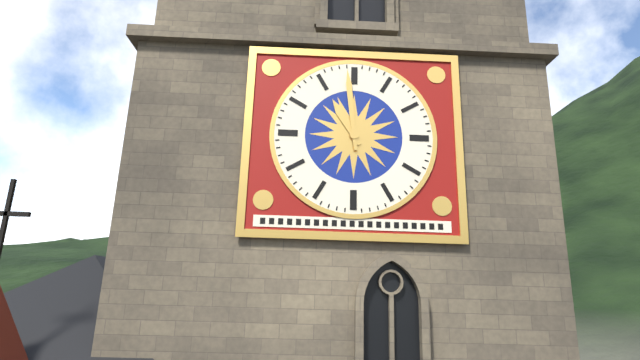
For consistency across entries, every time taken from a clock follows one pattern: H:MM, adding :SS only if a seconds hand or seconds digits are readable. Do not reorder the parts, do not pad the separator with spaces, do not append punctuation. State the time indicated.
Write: 10:59
